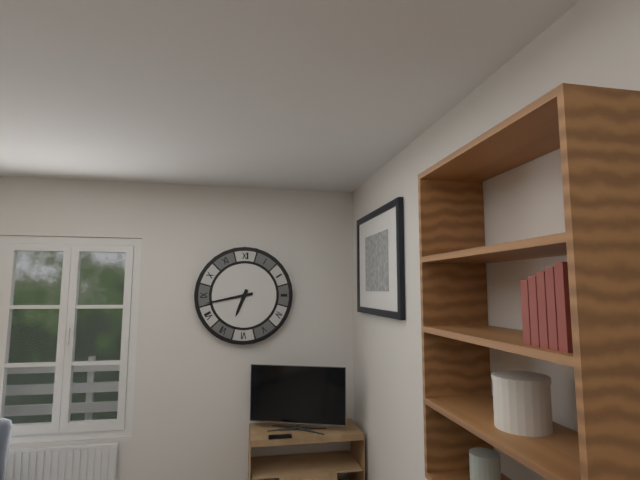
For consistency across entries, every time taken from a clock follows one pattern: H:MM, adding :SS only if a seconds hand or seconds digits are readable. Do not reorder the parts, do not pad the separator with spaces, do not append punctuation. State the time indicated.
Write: 6:43
